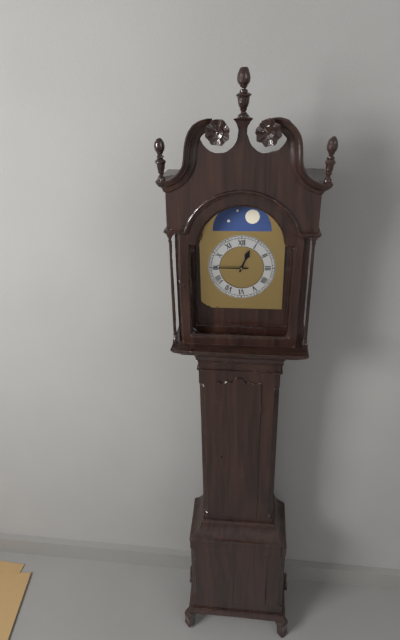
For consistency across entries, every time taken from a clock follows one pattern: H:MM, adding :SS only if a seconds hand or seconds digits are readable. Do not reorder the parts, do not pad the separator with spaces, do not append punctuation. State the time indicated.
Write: 12:45
